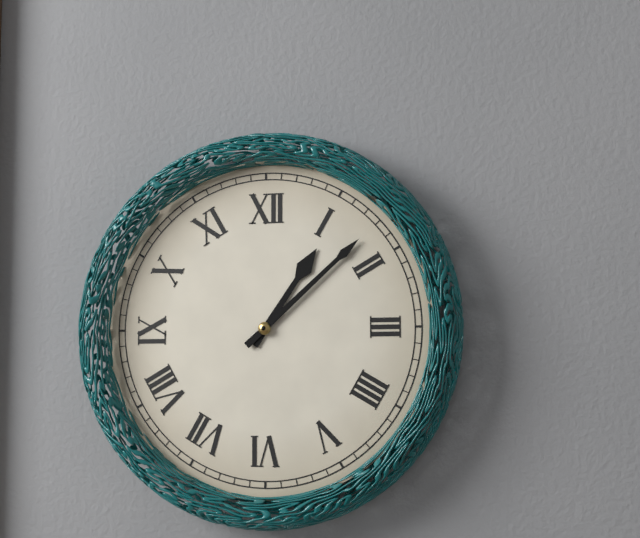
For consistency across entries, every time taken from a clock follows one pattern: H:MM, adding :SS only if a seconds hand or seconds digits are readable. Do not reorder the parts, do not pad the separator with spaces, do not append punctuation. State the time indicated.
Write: 1:08
